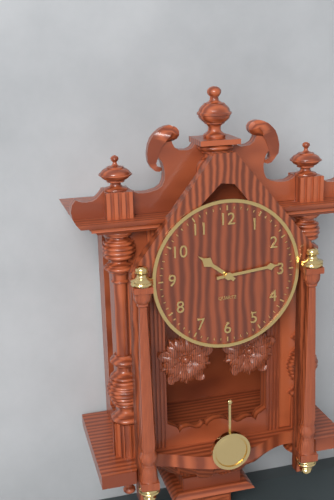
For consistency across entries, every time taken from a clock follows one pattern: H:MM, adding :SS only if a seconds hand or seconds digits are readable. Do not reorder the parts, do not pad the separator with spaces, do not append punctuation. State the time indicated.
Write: 10:14
